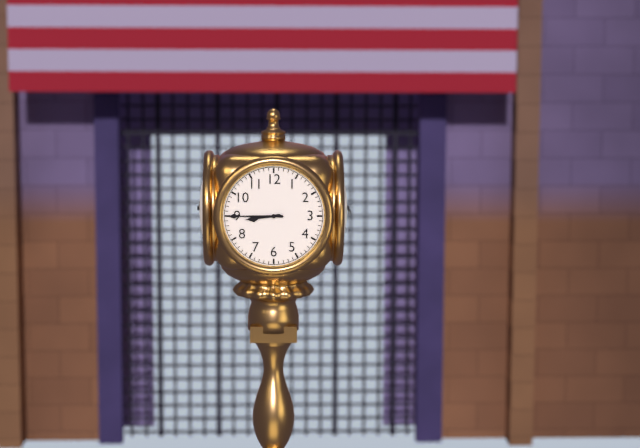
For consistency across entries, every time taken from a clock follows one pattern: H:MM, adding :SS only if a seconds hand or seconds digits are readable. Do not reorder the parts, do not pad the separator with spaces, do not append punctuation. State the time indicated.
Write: 8:45
